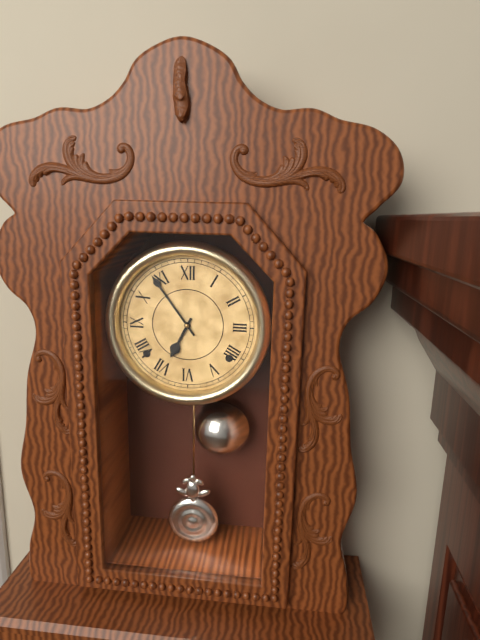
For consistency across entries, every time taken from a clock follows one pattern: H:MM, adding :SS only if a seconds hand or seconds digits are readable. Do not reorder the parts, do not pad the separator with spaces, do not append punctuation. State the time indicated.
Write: 6:54
